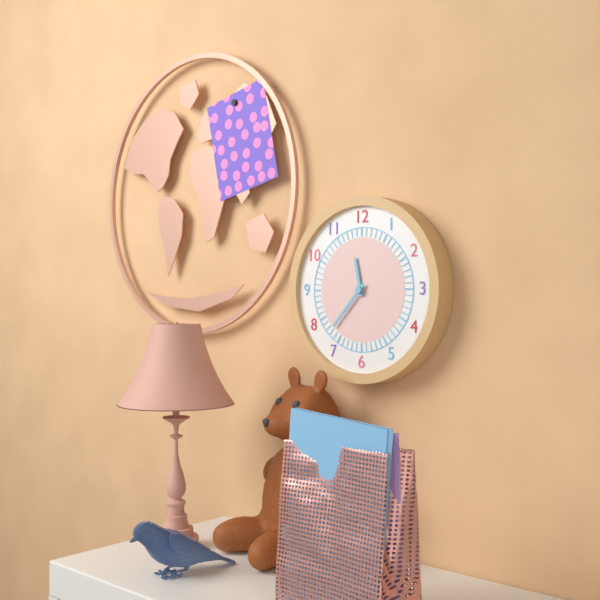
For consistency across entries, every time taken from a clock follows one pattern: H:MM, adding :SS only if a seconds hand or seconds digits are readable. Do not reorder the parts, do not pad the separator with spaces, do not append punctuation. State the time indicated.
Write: 11:37
